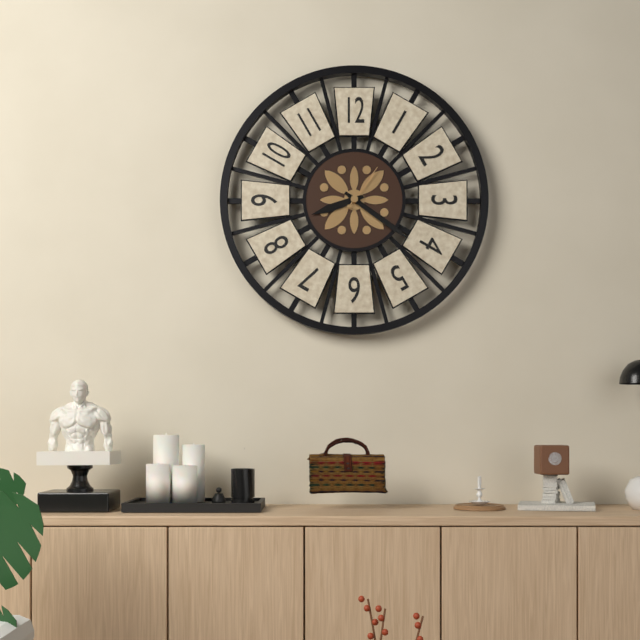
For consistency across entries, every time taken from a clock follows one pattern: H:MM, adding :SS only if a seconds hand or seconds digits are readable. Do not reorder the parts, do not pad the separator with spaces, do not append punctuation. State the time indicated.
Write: 8:21:06
